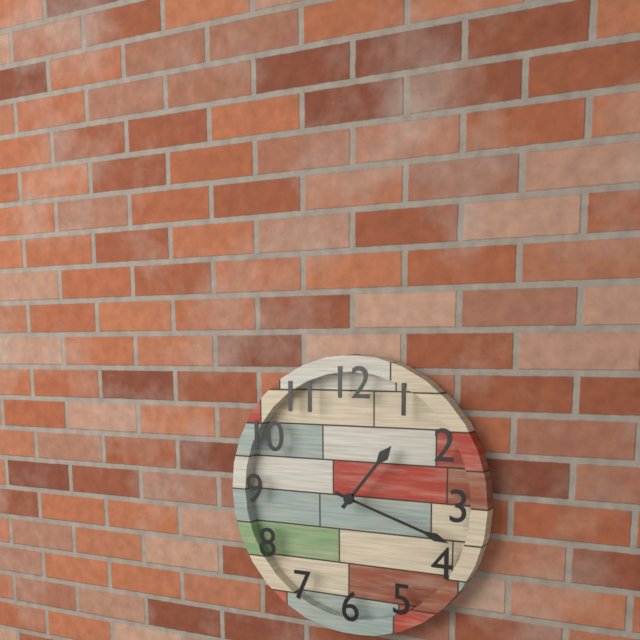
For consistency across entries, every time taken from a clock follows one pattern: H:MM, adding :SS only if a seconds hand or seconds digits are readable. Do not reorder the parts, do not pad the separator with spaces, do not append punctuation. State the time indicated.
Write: 1:18
